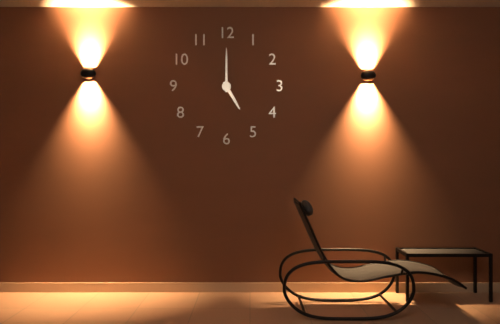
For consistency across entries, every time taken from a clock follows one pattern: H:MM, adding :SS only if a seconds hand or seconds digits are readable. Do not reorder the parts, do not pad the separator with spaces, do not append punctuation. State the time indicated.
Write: 5:00
